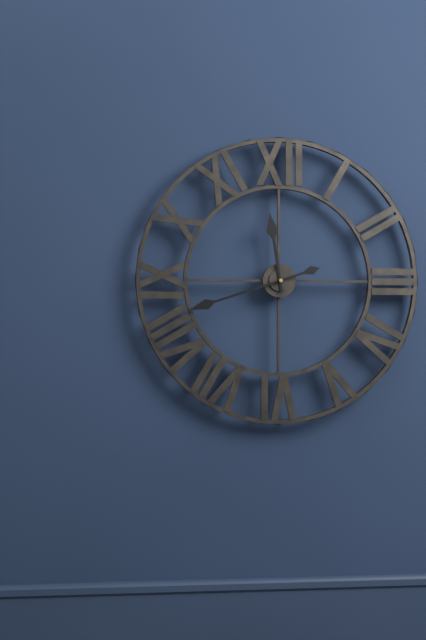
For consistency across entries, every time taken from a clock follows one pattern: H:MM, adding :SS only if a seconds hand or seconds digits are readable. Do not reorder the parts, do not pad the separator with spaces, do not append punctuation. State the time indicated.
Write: 11:42
